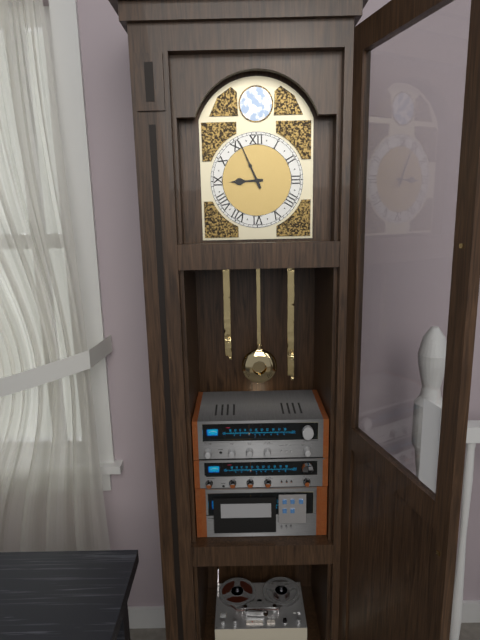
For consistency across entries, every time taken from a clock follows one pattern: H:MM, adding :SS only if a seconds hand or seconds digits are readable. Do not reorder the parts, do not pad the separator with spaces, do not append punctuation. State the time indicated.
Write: 8:56
